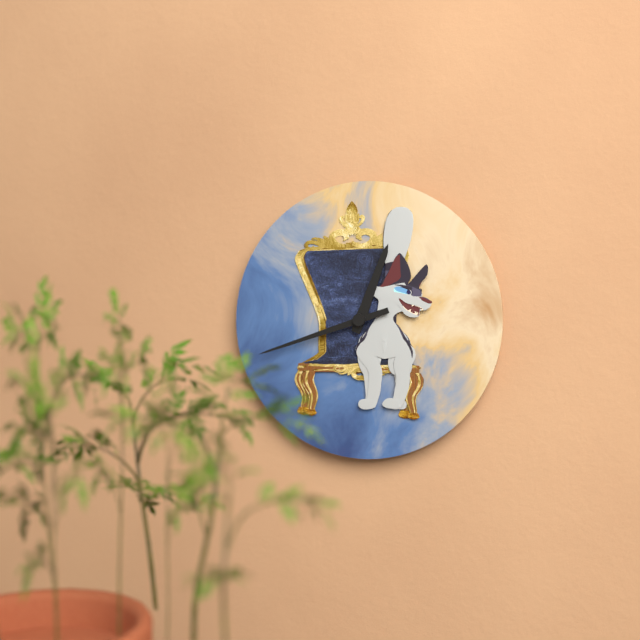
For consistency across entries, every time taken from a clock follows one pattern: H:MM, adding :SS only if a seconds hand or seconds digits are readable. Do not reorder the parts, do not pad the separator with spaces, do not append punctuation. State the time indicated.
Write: 12:42
